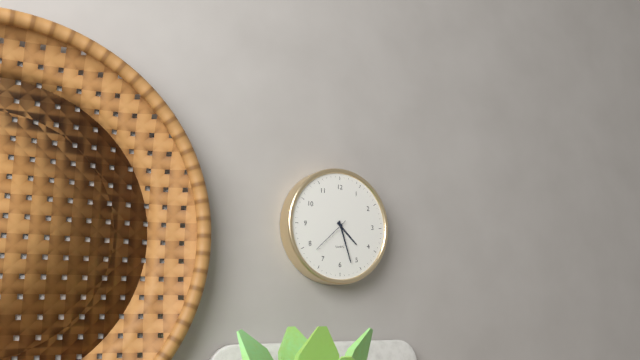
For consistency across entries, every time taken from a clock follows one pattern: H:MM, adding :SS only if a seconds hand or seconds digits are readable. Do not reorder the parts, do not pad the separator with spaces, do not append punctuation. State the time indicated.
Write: 4:27
